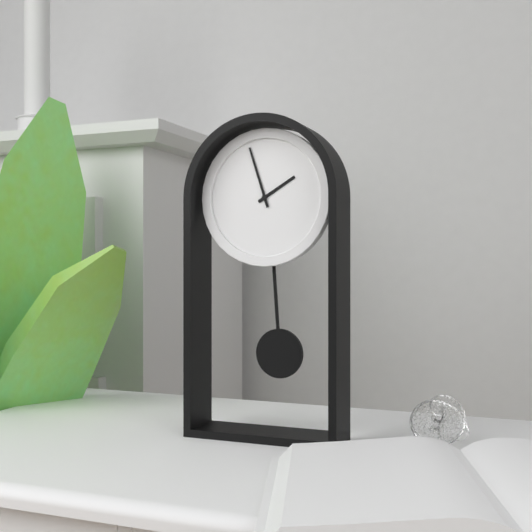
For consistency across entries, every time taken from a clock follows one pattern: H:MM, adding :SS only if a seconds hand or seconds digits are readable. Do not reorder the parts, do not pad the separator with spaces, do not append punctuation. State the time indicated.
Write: 1:57
